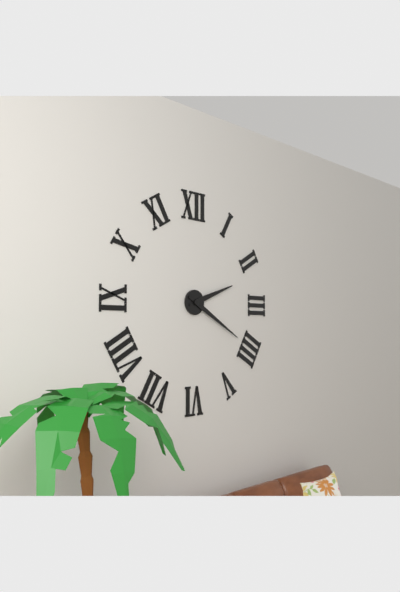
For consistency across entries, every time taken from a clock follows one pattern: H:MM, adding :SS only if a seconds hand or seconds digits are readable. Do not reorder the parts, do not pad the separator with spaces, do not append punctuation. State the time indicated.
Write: 2:20
